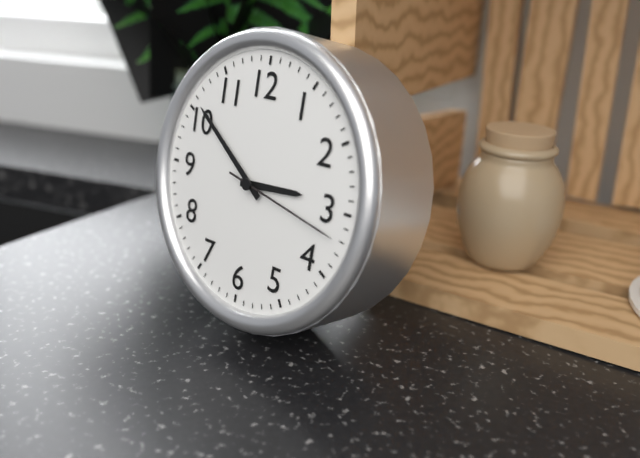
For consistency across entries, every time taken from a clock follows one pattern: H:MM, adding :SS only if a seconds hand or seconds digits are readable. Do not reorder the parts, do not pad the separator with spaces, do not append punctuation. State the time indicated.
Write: 2:51:17
